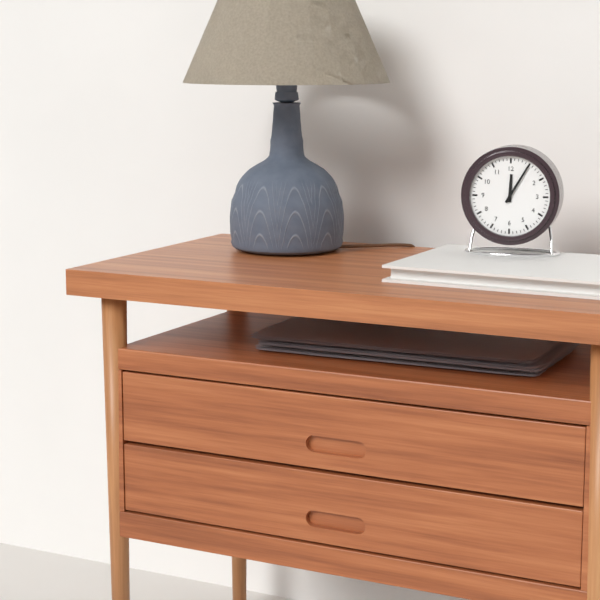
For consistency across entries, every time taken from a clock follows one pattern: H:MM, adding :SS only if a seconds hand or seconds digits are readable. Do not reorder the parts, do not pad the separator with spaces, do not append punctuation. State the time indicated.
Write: 12:05
